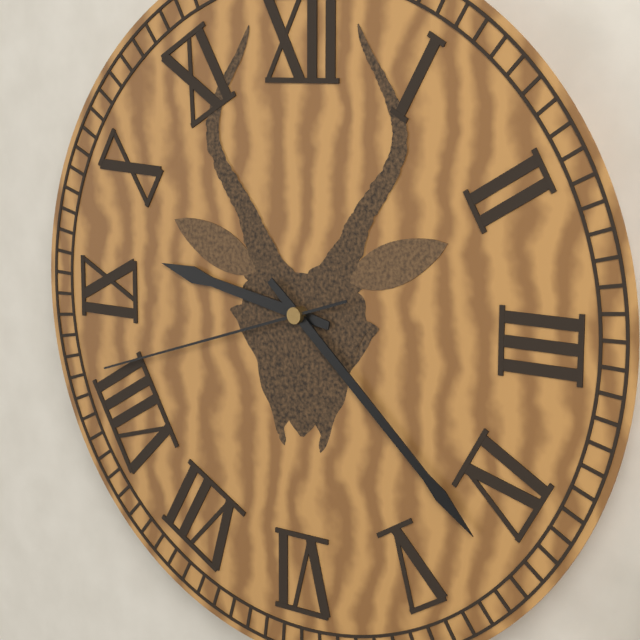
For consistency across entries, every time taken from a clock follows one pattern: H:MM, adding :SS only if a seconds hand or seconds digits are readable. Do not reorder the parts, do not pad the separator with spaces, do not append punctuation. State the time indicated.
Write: 9:22:42
